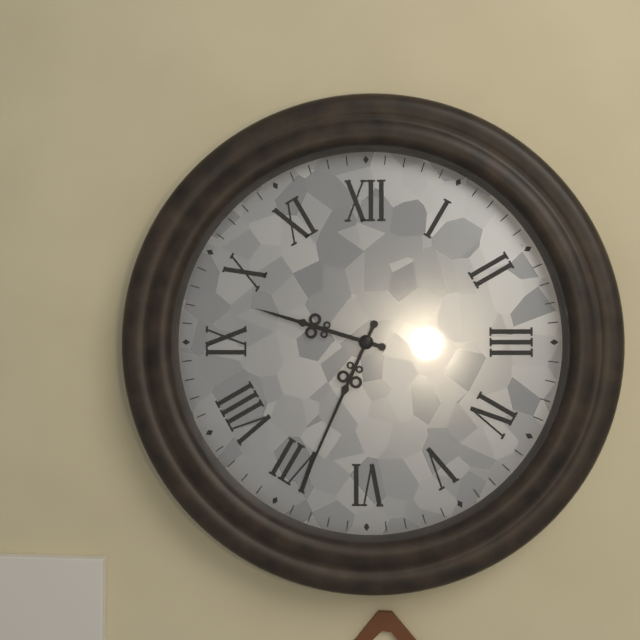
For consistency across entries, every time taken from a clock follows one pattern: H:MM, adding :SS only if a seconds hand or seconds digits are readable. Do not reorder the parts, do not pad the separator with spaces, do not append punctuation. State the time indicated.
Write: 9:34
